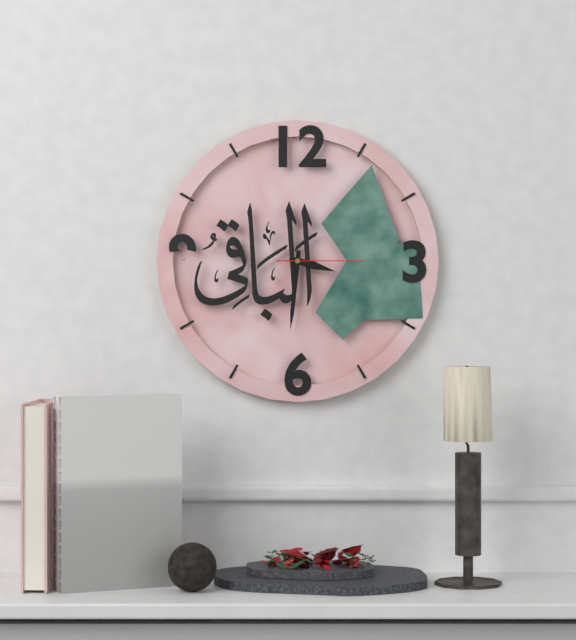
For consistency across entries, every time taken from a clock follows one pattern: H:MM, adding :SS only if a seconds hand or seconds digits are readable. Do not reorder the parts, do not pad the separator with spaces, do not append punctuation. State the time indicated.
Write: 3:31:15
